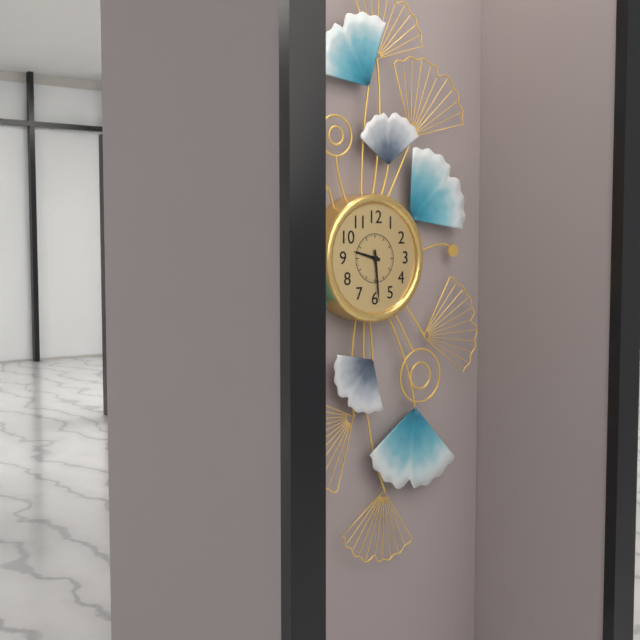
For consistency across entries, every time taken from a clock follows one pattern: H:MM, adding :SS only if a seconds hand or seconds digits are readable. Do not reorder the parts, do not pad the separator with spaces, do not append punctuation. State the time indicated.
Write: 9:29
